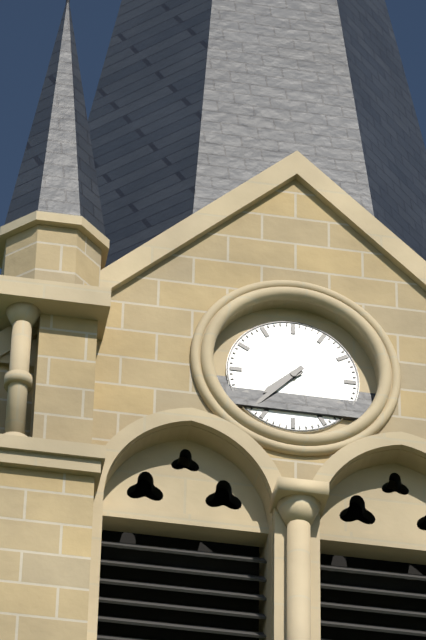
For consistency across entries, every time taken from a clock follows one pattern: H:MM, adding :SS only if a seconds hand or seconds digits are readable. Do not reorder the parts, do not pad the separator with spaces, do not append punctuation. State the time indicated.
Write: 7:37
